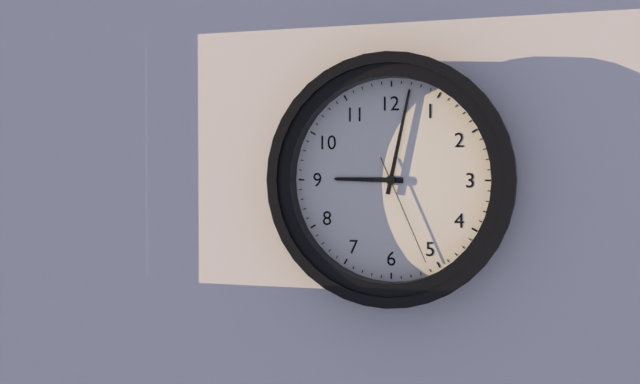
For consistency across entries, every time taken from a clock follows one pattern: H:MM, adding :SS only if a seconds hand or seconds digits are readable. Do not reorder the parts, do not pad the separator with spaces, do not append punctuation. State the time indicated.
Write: 9:02:26
